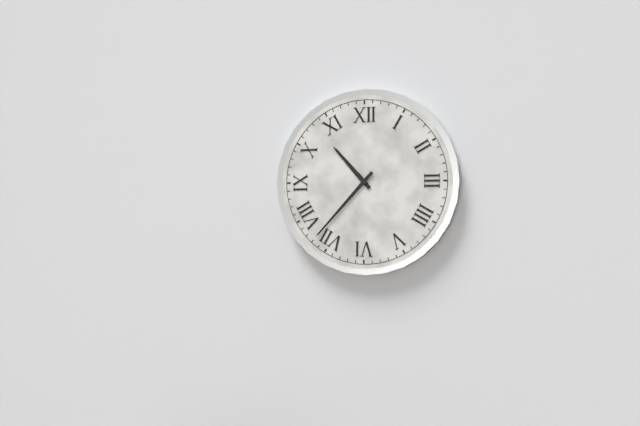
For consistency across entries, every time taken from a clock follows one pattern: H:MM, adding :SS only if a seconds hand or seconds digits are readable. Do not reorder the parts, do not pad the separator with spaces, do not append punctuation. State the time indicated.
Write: 10:37
